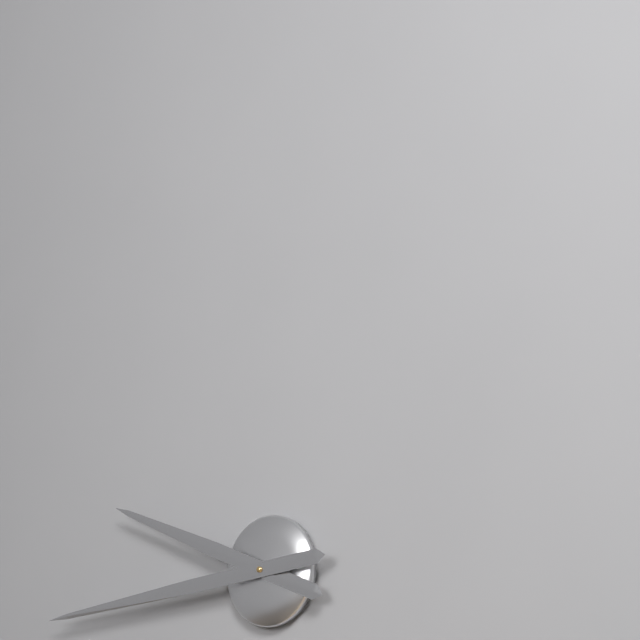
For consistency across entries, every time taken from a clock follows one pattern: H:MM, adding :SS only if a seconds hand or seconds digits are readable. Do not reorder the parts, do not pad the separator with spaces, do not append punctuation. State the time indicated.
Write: 9:44
